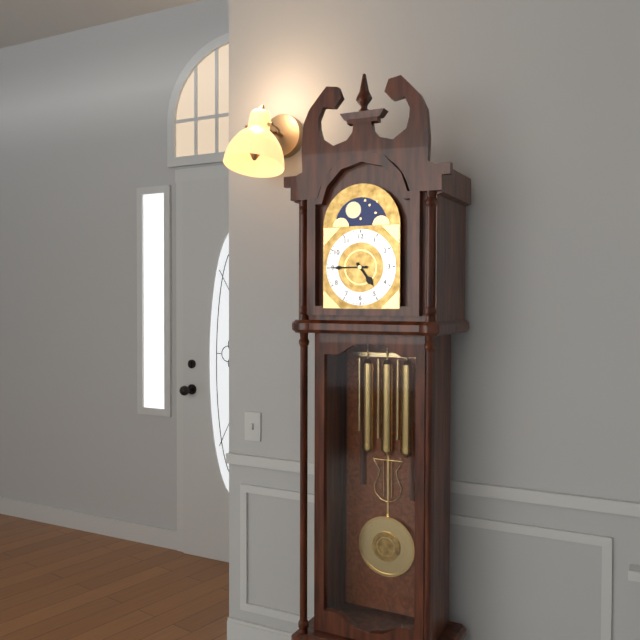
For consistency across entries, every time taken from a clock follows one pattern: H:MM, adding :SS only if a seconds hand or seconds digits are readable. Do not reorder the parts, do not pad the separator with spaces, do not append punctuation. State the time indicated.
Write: 4:45
